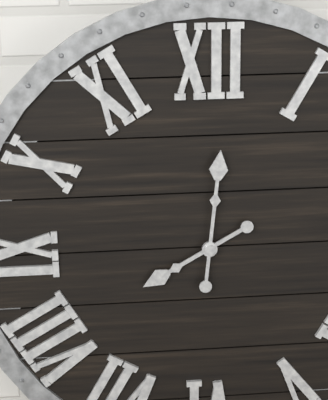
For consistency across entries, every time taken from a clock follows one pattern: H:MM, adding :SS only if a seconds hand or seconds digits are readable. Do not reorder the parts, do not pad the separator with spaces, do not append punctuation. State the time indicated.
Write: 8:01
